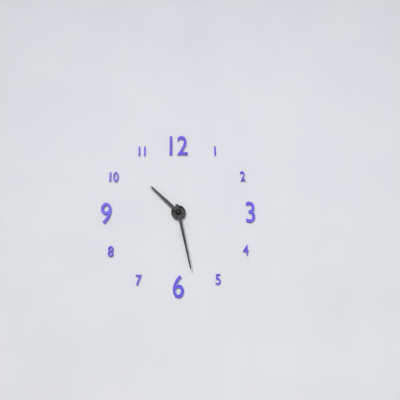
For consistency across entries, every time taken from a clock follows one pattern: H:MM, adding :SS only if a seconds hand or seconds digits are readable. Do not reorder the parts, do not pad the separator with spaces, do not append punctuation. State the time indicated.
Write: 10:28
